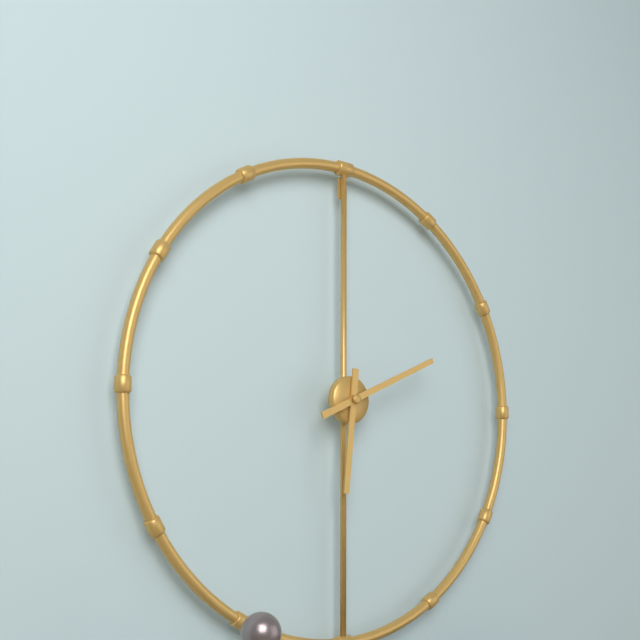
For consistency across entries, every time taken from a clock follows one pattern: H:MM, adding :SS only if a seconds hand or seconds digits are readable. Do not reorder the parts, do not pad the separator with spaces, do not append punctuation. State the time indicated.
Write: 6:11
